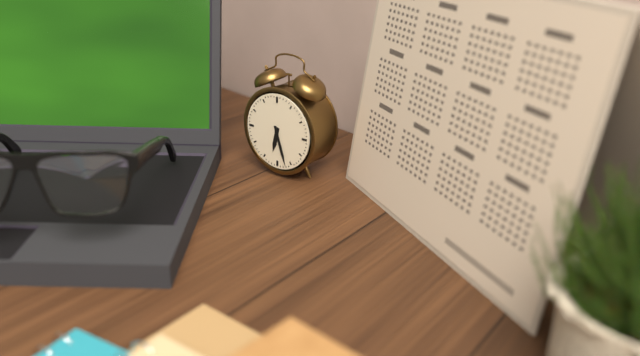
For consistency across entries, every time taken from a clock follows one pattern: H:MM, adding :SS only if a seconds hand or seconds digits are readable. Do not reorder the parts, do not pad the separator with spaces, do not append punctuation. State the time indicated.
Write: 6:27
